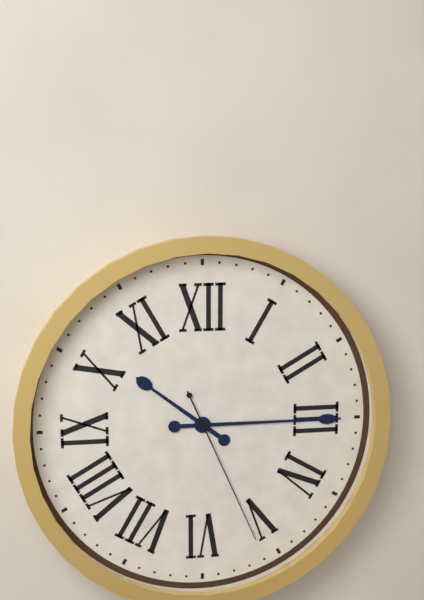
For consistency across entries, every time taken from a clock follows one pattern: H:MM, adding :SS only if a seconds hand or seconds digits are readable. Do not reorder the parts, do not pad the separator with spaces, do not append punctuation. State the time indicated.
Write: 10:15:26
